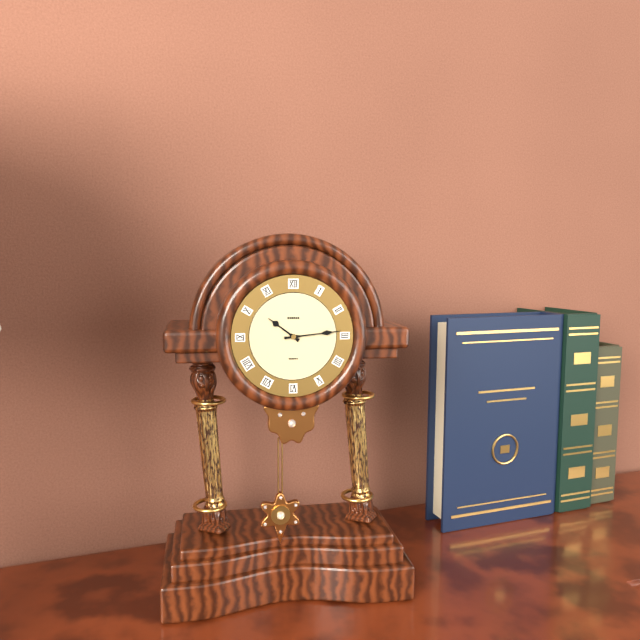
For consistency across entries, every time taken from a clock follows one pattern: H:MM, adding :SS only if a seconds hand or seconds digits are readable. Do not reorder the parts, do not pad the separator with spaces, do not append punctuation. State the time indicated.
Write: 10:14
